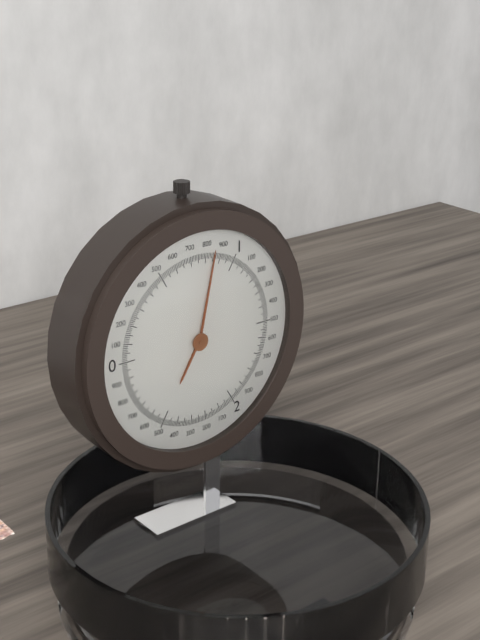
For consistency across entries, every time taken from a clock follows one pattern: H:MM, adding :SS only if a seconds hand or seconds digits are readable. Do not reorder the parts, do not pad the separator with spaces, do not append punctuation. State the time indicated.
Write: 7:02
